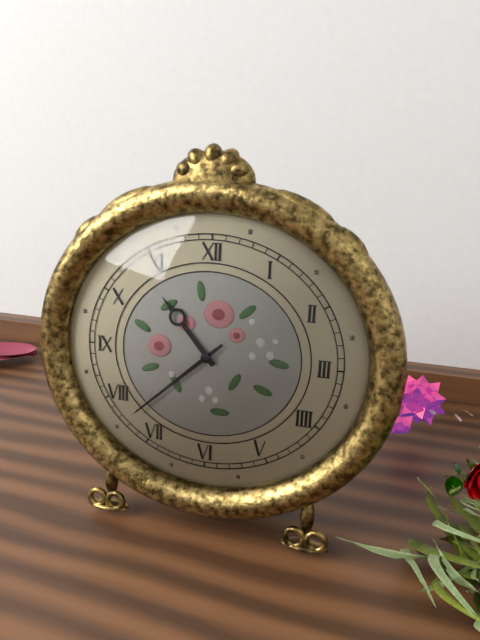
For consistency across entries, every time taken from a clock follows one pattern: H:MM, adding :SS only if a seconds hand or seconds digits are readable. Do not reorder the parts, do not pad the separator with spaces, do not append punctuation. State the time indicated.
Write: 10:38
